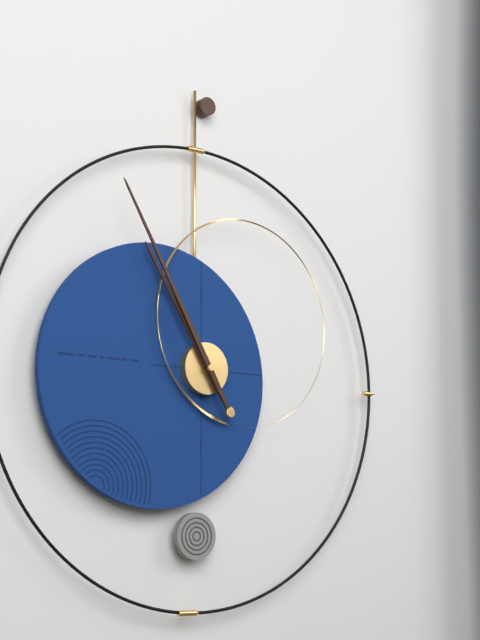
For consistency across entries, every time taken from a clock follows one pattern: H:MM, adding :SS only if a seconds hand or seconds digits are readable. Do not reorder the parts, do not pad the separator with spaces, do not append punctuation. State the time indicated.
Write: 10:55
